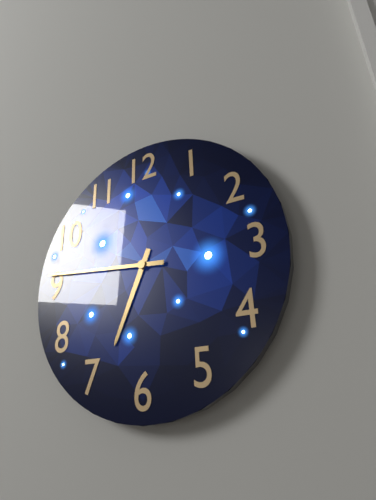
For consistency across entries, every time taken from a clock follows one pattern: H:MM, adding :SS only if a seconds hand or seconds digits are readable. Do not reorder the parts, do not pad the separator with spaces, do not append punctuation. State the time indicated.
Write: 6:46
